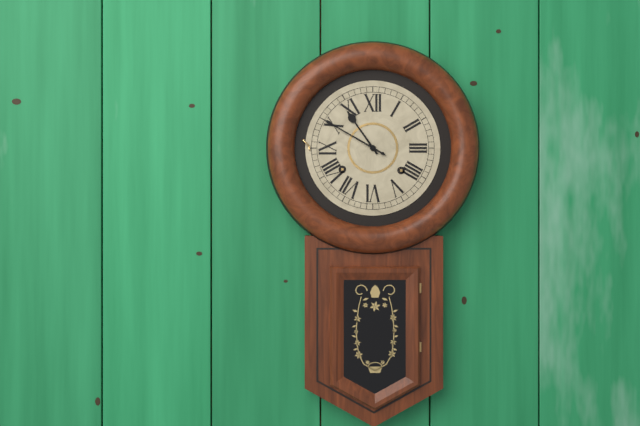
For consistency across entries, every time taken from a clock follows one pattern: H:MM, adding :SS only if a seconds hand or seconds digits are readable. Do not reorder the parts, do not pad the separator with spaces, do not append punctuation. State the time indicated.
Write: 10:50
